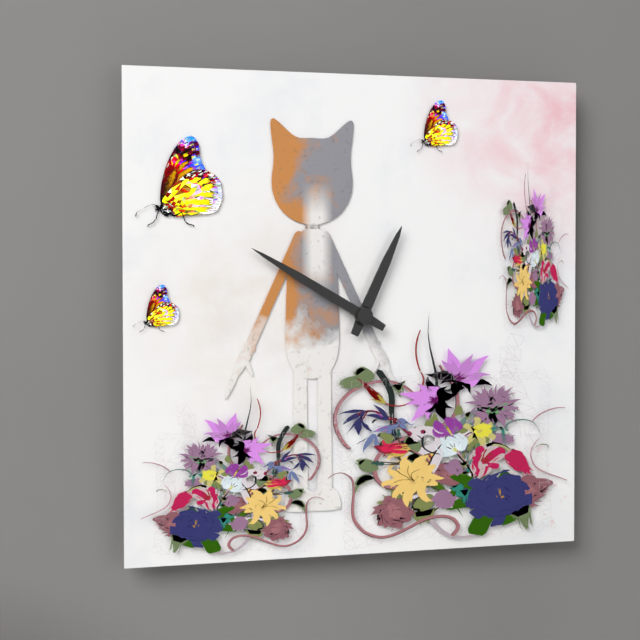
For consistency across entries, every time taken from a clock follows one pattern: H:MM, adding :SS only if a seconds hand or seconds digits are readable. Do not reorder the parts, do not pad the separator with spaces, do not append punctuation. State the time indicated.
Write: 12:50
